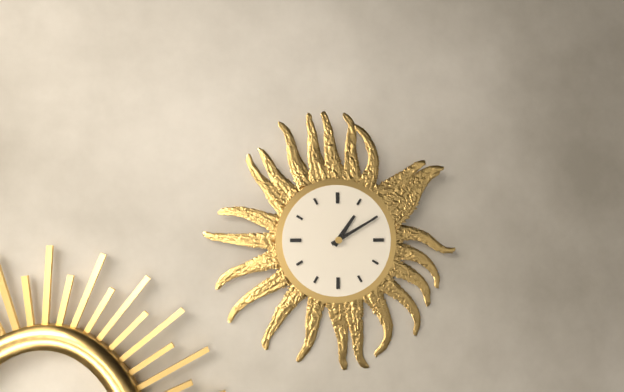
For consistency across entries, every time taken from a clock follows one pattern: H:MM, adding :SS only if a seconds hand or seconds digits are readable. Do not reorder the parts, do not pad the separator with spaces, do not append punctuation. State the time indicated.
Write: 1:10
